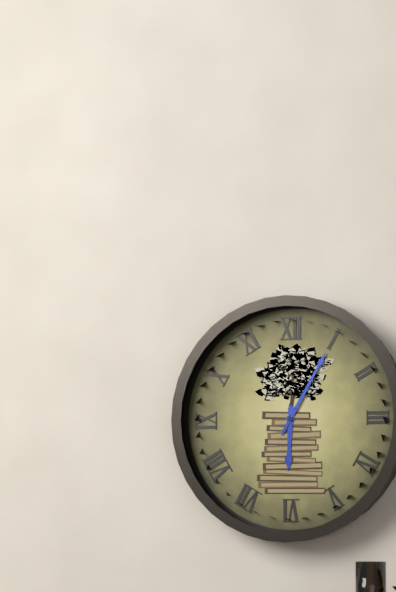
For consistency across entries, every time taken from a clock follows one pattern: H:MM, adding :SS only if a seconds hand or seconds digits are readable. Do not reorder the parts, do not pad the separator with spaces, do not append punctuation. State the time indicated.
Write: 6:05
